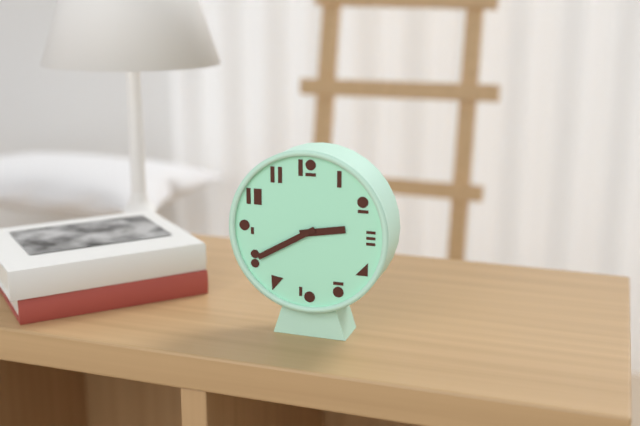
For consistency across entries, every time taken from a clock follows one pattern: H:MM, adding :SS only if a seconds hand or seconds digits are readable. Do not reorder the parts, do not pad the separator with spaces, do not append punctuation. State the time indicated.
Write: 2:40
